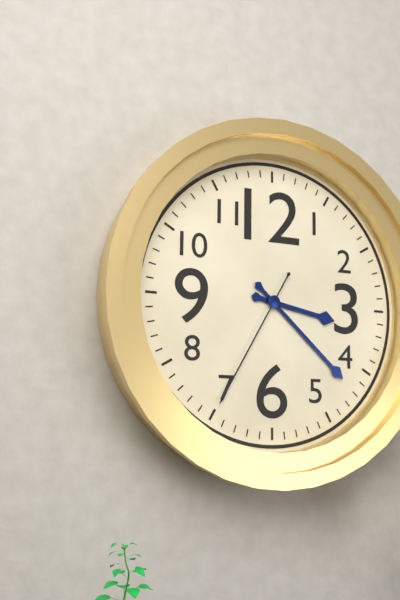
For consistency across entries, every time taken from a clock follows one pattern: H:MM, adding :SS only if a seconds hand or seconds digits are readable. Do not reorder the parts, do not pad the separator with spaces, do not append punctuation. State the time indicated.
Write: 3:22:35
